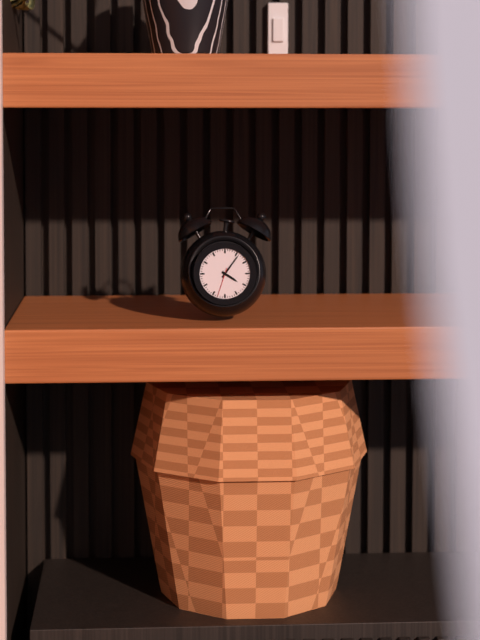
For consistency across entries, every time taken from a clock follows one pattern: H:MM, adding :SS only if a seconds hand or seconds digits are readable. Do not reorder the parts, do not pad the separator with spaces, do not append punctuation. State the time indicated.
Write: 4:06
